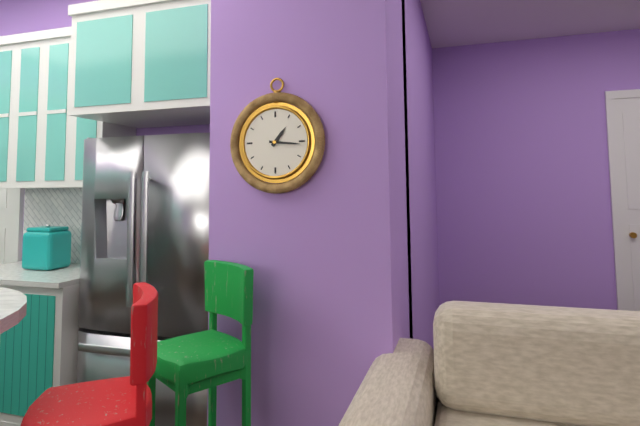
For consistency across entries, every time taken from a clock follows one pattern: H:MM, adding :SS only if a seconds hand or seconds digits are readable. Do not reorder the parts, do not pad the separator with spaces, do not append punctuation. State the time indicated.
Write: 1:16
